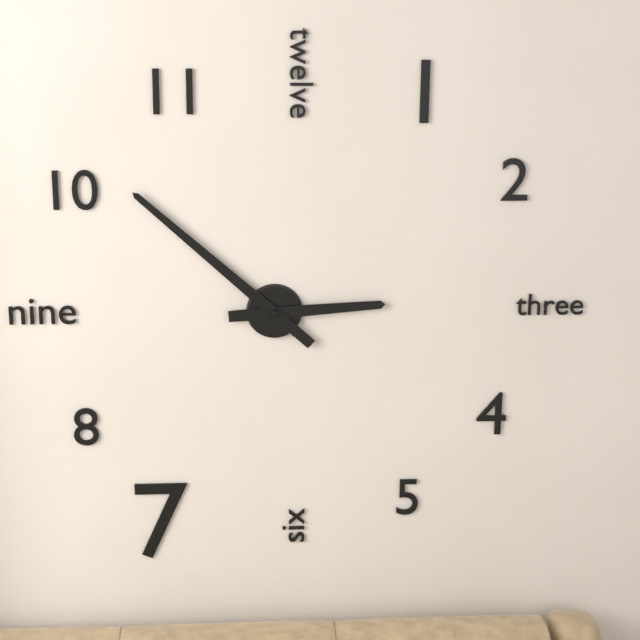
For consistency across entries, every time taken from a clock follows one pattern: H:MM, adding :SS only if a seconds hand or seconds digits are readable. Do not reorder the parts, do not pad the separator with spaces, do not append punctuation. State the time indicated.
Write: 2:52
